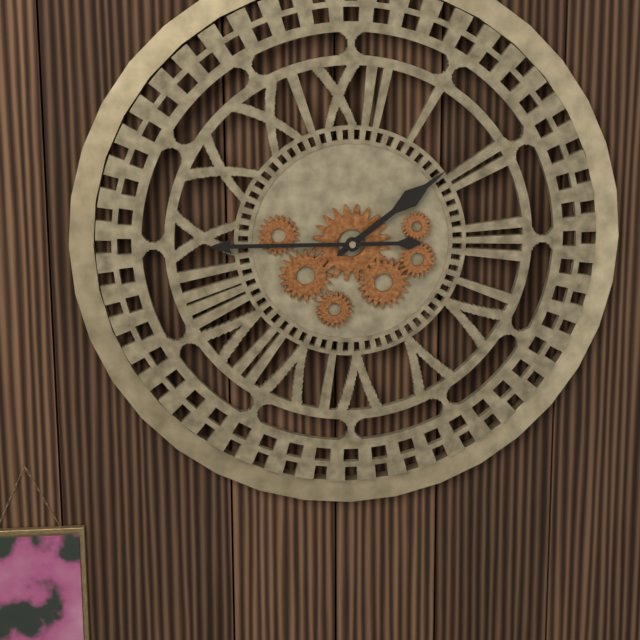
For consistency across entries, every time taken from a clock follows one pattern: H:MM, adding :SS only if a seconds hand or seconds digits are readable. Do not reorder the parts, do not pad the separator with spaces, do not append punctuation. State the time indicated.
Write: 1:45
